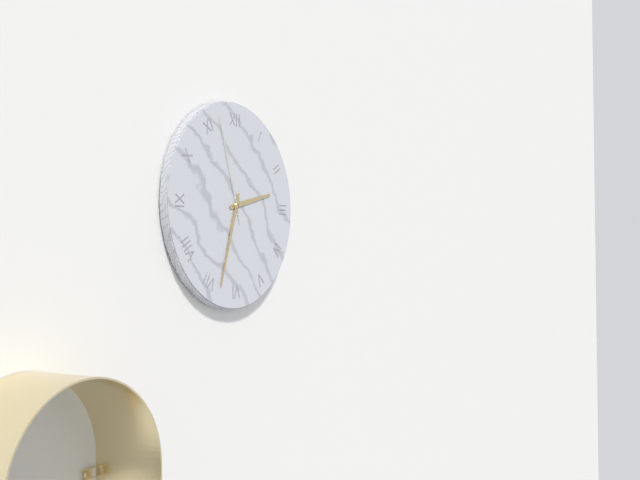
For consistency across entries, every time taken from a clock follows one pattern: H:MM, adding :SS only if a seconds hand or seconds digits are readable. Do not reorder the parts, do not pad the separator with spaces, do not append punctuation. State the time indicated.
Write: 2:33:57
